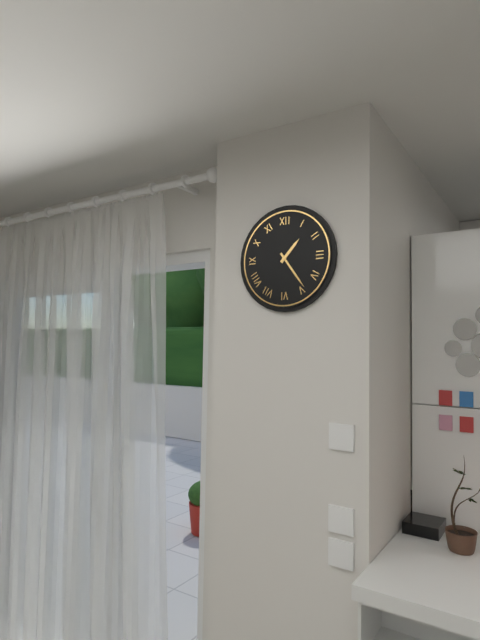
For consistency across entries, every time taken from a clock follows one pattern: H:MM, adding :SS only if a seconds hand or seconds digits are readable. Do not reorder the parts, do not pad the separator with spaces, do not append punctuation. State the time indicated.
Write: 1:24
